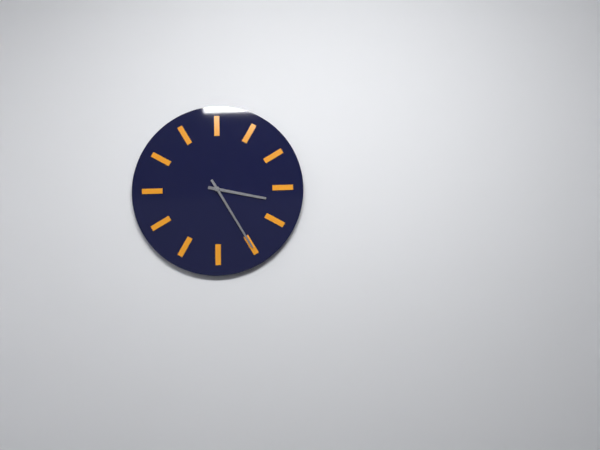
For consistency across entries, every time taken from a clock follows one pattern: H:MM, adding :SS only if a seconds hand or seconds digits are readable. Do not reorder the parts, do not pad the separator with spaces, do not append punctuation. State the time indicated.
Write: 3:25
